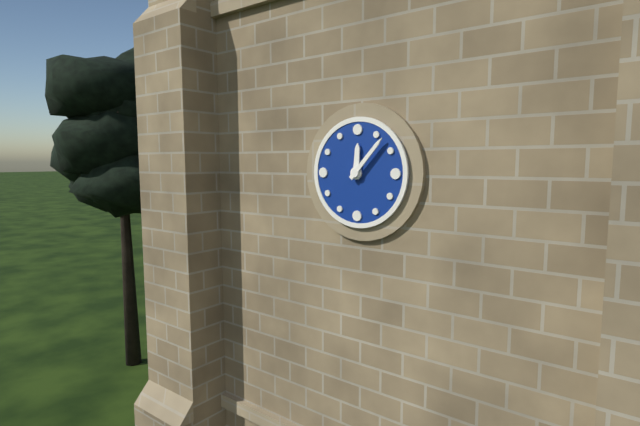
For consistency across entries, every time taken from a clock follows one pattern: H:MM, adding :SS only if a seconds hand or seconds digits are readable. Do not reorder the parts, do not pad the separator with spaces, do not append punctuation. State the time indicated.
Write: 12:07
